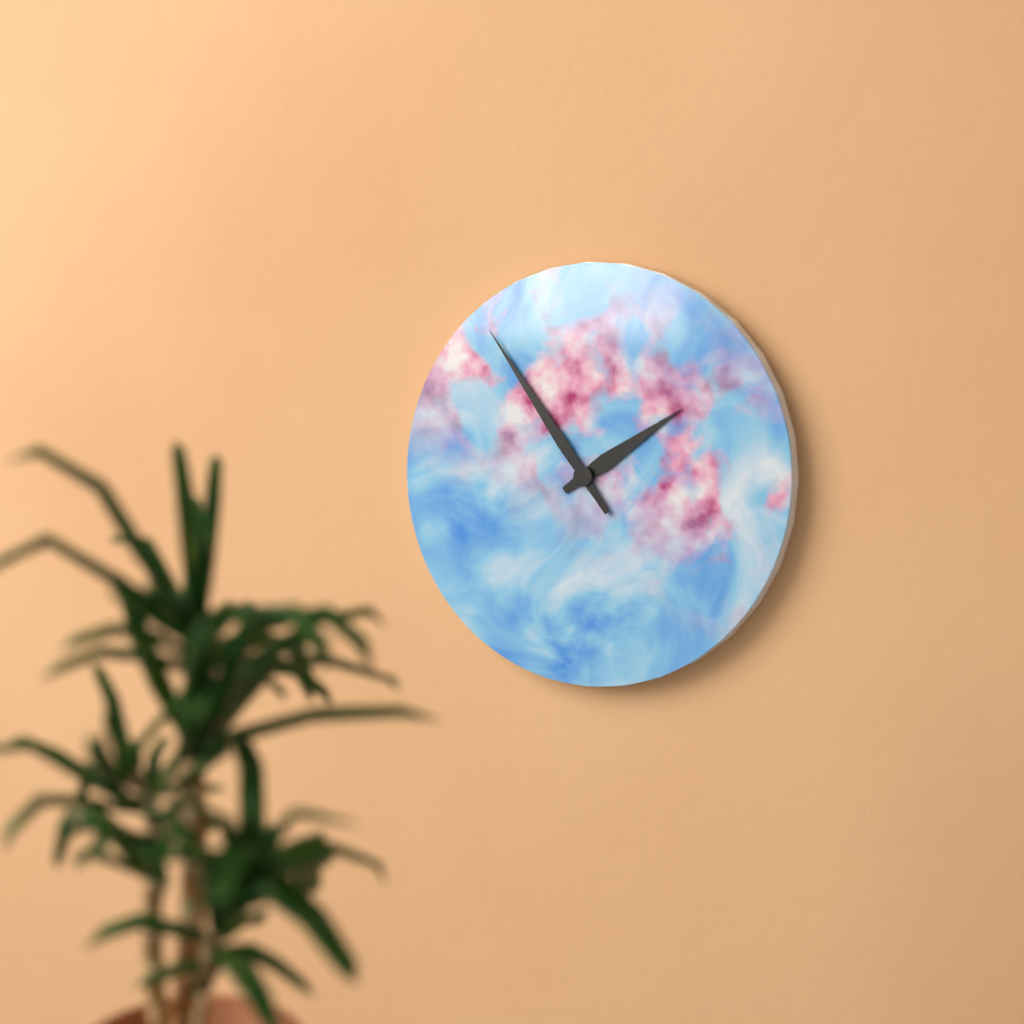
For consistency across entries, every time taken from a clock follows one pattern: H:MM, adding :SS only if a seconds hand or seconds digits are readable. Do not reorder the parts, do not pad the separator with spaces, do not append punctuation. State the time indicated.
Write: 1:54
